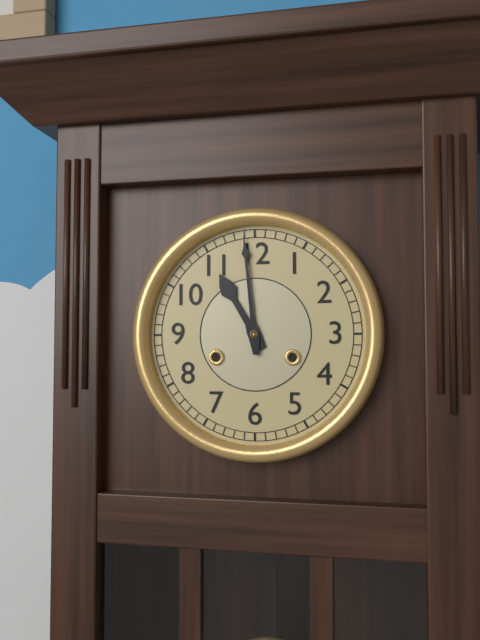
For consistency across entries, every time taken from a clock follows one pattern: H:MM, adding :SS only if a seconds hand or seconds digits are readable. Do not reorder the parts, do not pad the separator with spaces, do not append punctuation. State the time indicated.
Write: 10:59
